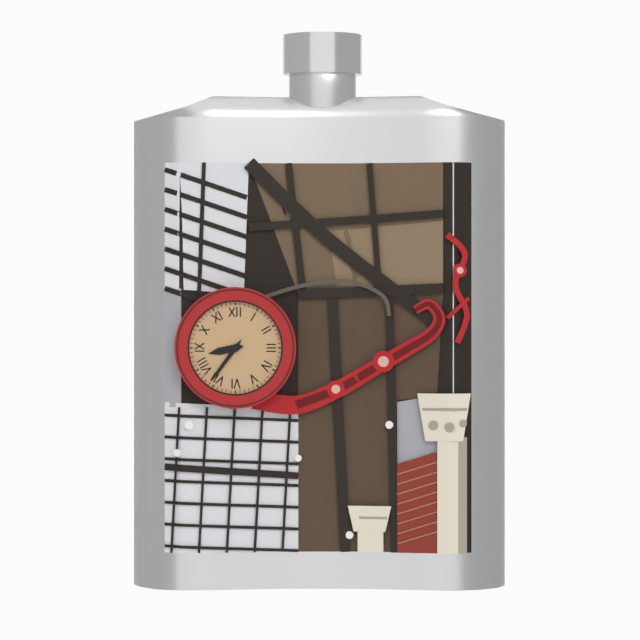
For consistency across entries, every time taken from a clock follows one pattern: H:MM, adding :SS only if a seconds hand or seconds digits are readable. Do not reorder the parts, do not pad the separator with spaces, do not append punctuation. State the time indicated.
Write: 8:36
